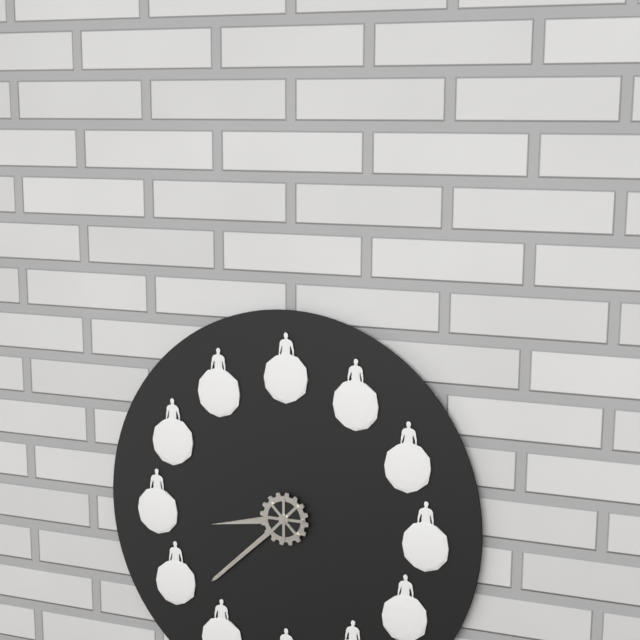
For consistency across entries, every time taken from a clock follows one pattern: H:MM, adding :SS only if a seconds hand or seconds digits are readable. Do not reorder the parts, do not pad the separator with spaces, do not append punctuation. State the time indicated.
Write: 8:38
